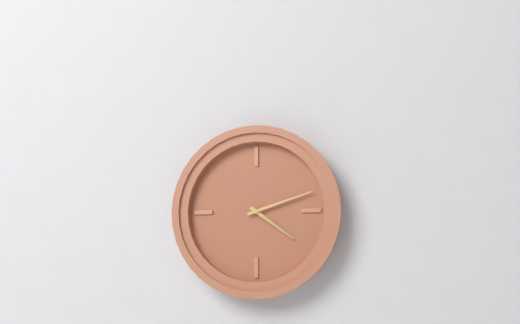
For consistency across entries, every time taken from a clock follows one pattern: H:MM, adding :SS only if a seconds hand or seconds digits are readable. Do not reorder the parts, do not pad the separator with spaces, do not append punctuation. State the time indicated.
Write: 4:12
